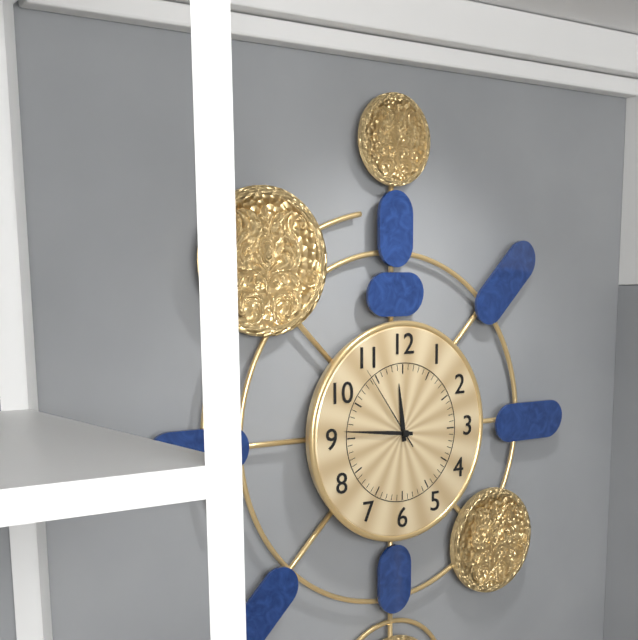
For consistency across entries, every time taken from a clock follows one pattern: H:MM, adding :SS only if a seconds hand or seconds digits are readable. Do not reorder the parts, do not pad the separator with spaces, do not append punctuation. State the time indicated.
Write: 11:46:54
